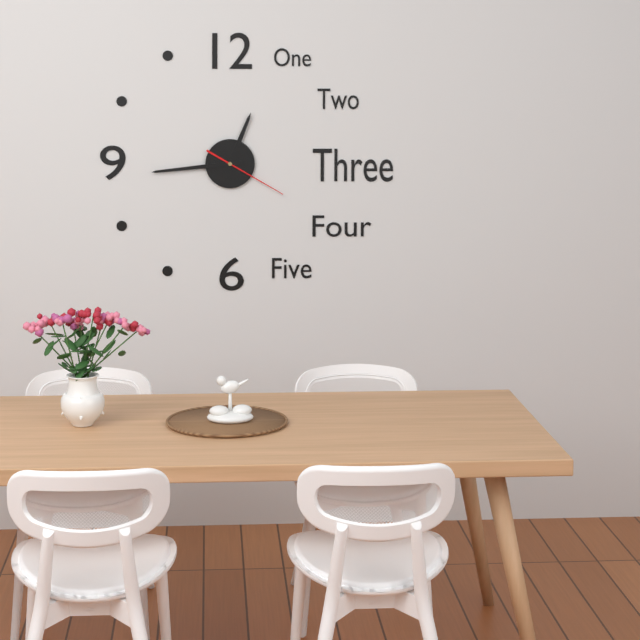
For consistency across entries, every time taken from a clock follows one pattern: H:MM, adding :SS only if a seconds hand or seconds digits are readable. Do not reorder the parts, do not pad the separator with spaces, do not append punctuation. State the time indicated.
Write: 12:44:20
